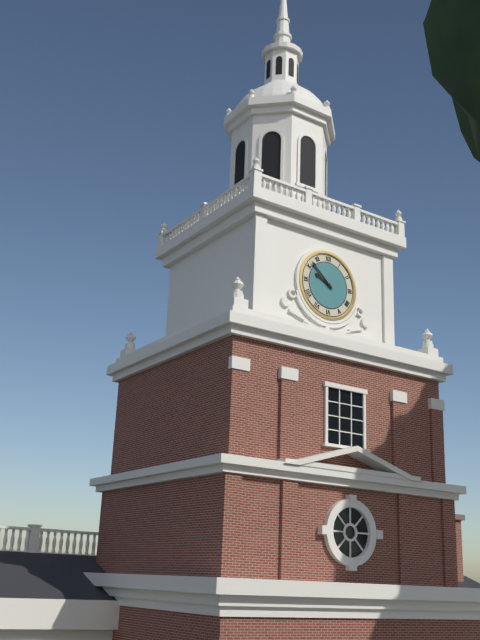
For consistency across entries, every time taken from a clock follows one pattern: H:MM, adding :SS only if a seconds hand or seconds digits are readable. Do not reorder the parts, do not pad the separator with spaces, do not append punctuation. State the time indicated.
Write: 9:52
